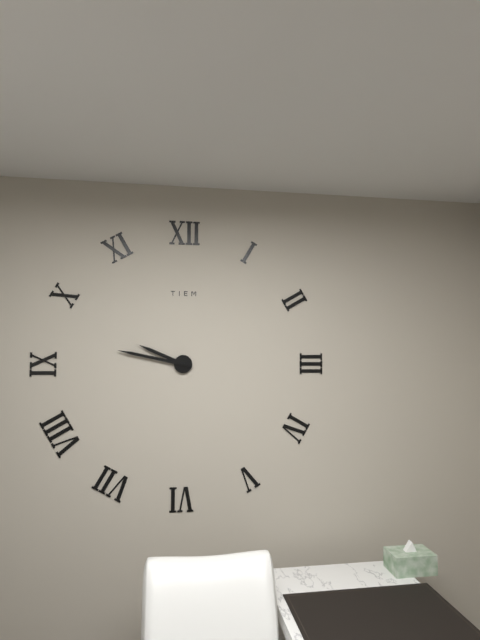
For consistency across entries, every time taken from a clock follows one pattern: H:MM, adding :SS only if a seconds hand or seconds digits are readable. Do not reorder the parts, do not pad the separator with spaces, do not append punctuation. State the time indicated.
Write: 9:47
